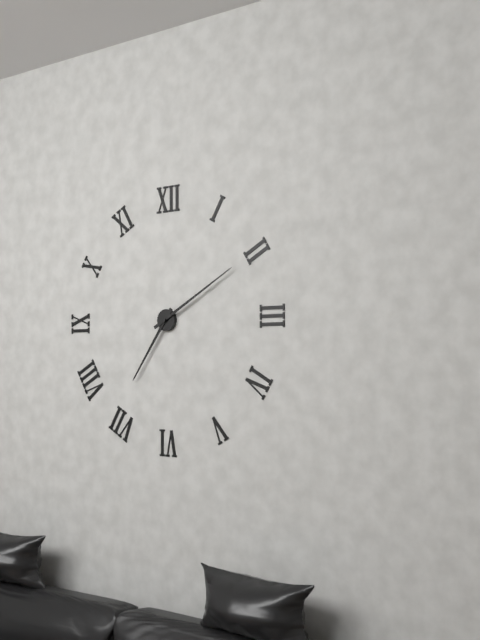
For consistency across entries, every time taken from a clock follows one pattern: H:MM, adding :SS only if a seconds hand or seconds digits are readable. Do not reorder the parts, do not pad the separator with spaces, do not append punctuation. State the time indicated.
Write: 7:10
